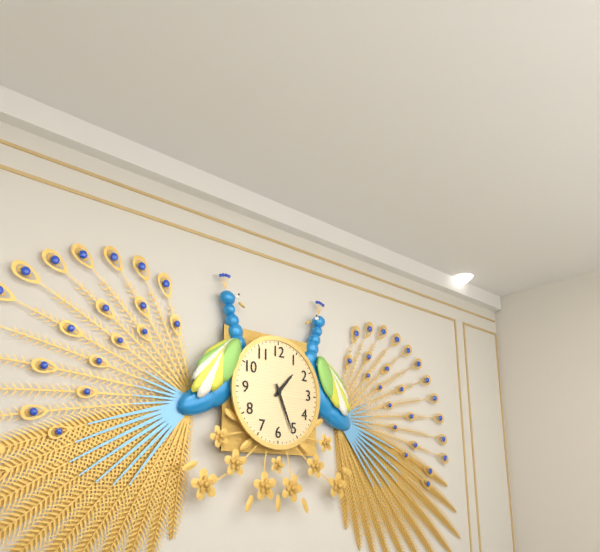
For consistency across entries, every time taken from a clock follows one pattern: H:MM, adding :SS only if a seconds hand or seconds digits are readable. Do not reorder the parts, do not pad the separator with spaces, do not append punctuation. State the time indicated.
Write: 1:26
